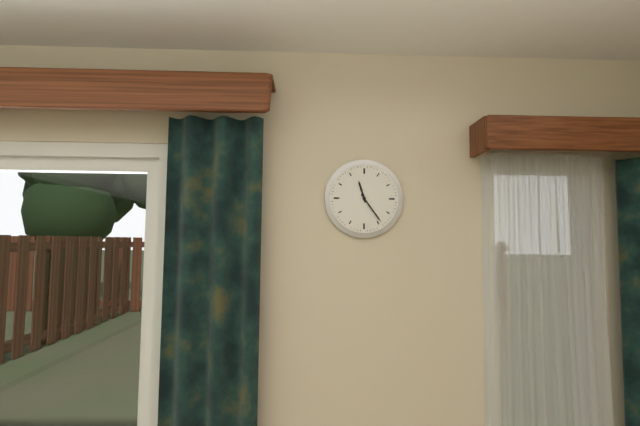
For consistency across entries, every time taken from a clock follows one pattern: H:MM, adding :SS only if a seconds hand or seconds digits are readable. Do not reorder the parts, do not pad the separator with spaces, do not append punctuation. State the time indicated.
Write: 11:24
